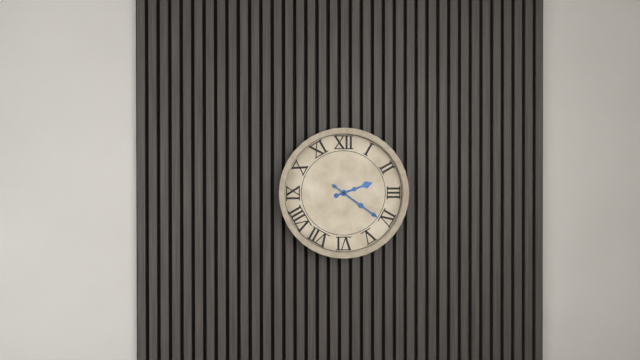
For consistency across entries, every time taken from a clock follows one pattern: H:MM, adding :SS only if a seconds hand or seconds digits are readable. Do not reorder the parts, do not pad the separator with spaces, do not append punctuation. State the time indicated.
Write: 2:21
